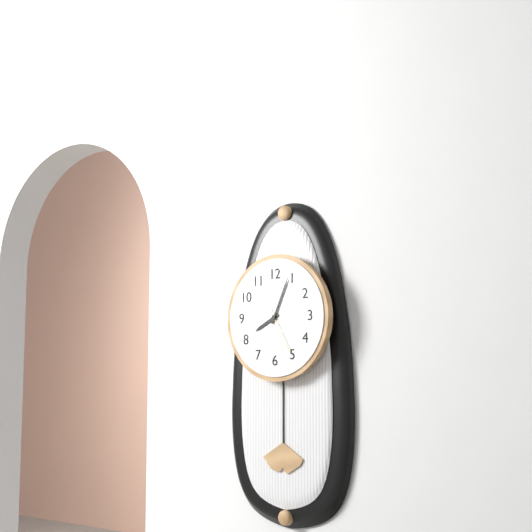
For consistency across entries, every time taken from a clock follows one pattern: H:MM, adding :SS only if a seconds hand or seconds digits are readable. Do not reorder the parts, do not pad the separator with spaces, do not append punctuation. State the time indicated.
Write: 8:04:25
